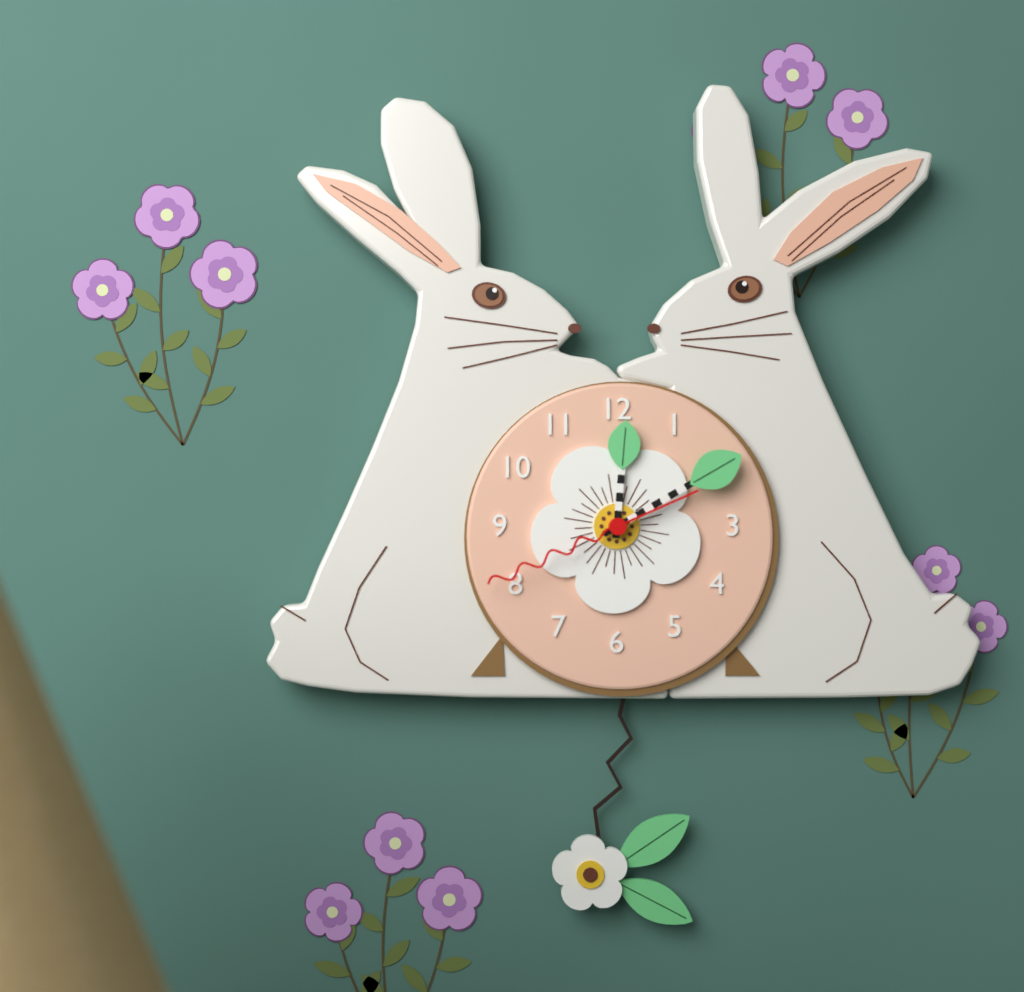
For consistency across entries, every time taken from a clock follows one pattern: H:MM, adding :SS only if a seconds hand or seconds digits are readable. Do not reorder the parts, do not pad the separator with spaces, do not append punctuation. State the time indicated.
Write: 12:10:41
